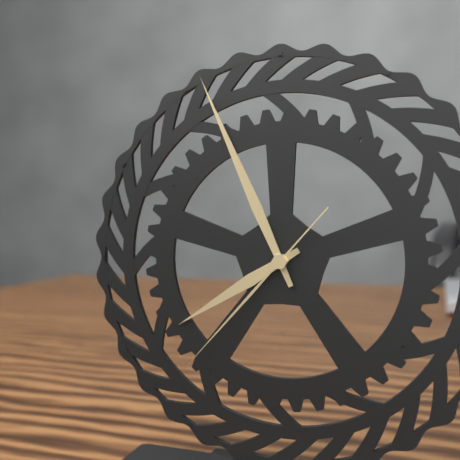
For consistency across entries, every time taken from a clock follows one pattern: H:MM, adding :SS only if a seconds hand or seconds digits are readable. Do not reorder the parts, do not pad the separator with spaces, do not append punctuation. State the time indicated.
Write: 7:56:37
